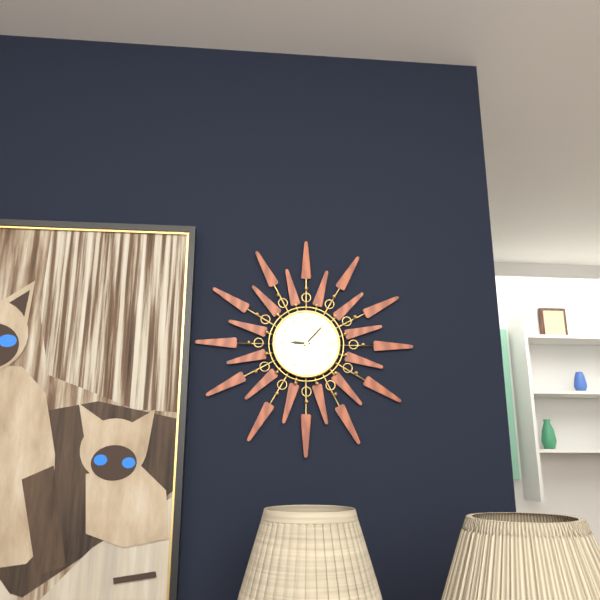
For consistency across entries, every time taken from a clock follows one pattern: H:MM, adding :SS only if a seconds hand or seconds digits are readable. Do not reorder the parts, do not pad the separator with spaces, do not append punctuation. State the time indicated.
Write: 9:07
